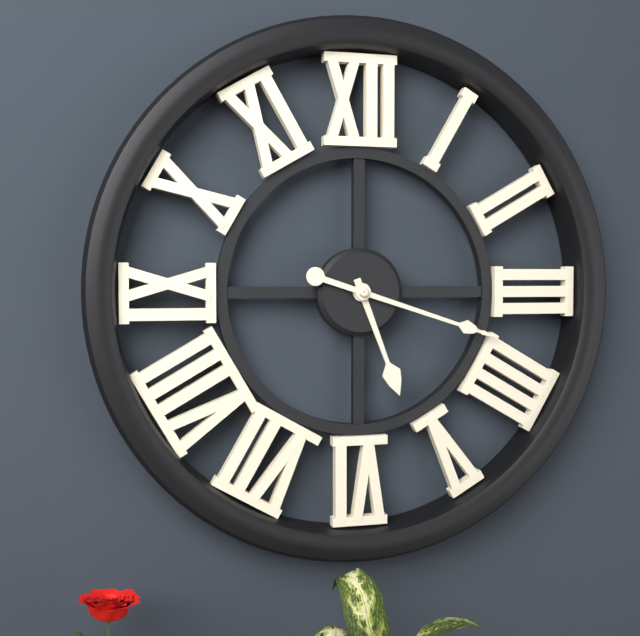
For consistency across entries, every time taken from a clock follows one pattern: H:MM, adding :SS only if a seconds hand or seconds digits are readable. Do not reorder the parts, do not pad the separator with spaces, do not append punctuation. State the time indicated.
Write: 5:18
